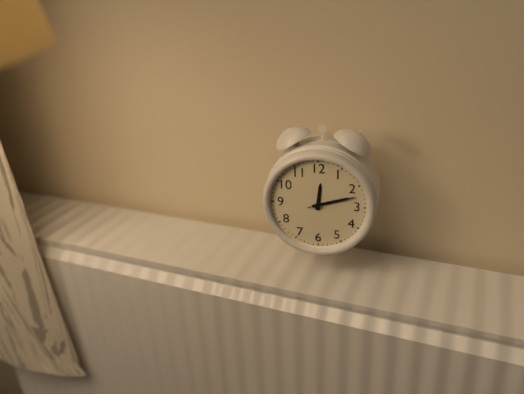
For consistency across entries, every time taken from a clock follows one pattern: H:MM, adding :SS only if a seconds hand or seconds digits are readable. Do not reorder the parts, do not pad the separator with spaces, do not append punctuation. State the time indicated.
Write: 12:12
